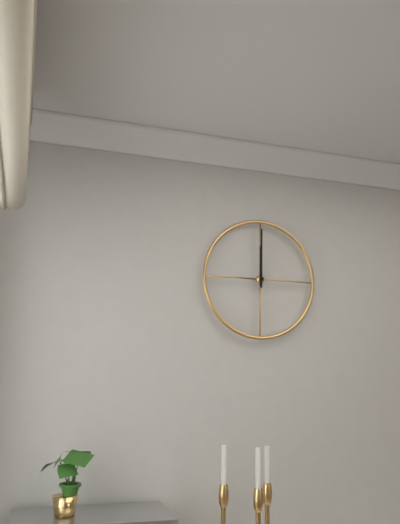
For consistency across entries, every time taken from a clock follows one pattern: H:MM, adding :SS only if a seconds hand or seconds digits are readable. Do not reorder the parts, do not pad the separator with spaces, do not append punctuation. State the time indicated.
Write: 12:00
